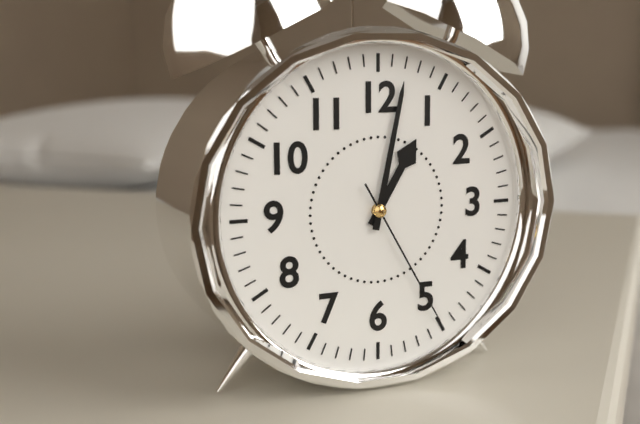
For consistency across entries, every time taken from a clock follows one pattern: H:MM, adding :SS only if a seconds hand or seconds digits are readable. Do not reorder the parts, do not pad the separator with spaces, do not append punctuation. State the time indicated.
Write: 1:02:25
